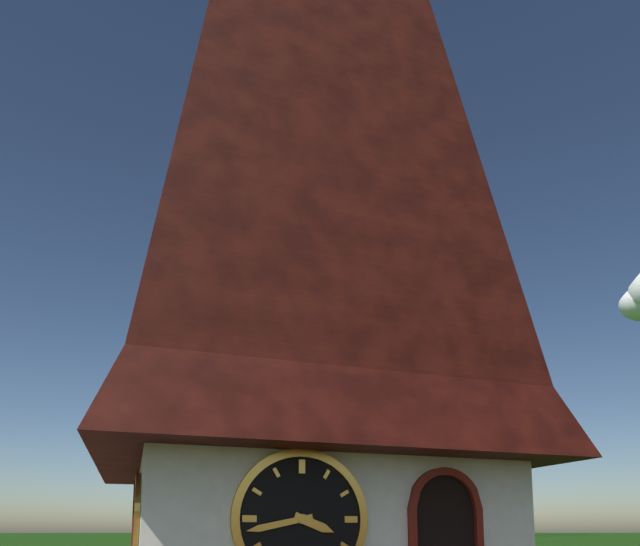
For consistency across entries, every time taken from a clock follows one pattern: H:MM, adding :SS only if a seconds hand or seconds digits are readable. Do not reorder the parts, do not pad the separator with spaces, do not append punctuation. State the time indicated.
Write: 3:43
